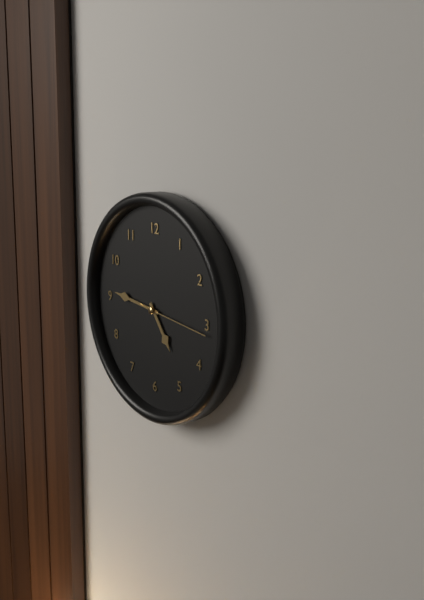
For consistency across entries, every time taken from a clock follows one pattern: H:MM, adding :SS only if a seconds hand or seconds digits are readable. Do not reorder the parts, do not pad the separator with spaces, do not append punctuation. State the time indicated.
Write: 4:46:16
